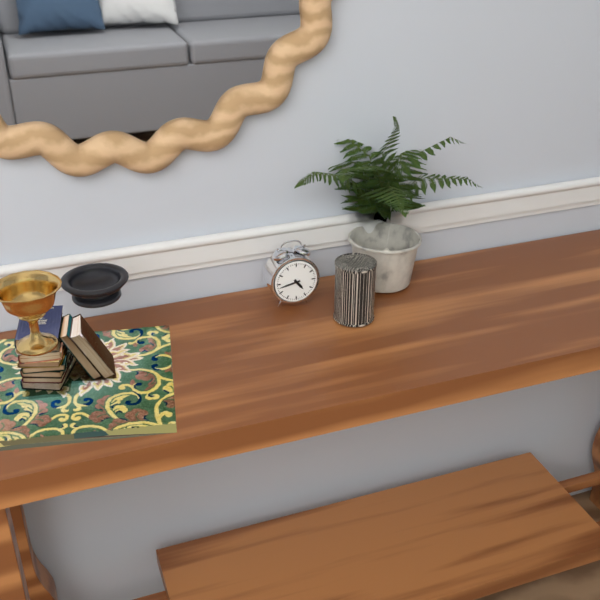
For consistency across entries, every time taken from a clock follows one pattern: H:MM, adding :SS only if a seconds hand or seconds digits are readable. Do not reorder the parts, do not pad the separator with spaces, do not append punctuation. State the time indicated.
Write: 4:43
